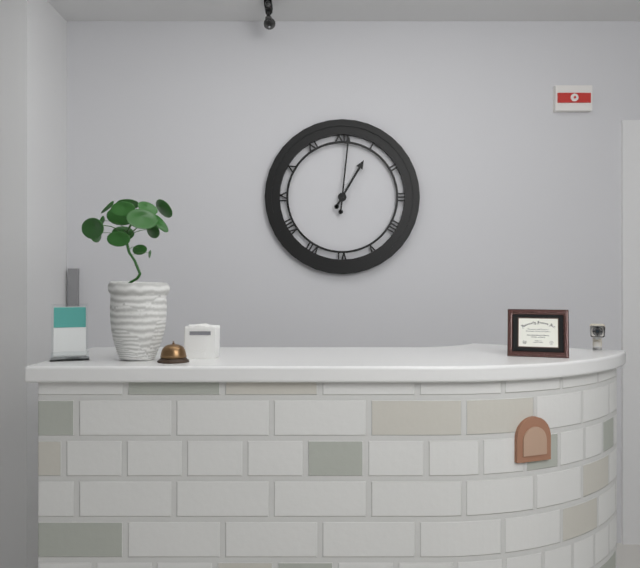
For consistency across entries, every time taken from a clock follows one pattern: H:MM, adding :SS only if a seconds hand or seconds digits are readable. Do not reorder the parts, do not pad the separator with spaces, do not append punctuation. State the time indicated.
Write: 1:01
